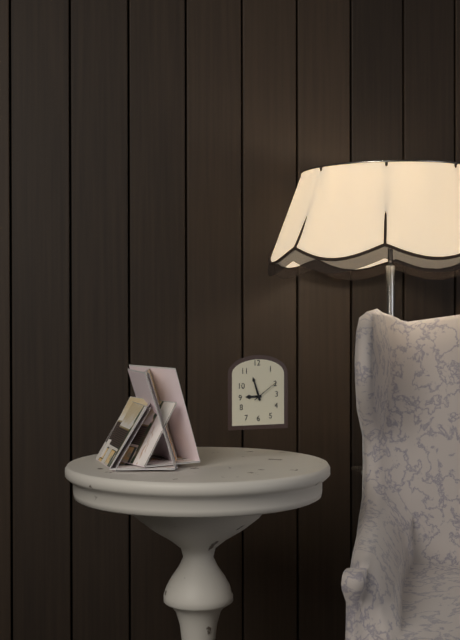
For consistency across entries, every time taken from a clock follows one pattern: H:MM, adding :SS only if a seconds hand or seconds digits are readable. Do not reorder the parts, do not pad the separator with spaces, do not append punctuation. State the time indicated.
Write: 8:57
